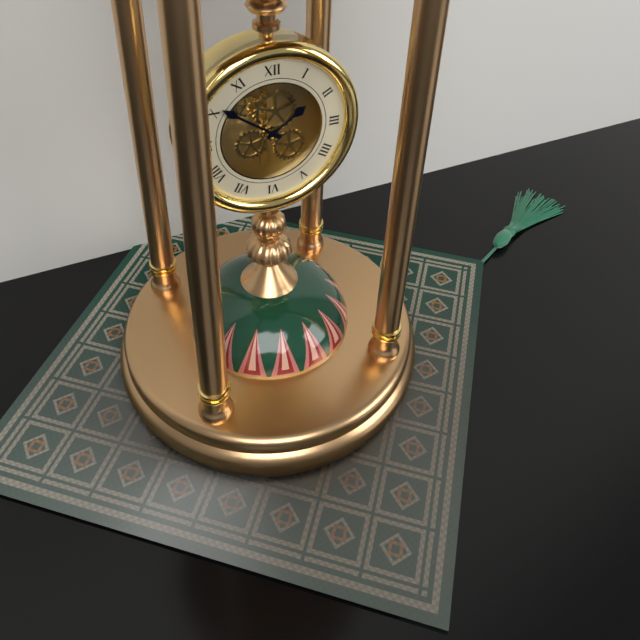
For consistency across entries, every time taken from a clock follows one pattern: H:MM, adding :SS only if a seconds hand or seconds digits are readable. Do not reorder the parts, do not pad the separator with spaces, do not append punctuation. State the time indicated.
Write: 1:51
